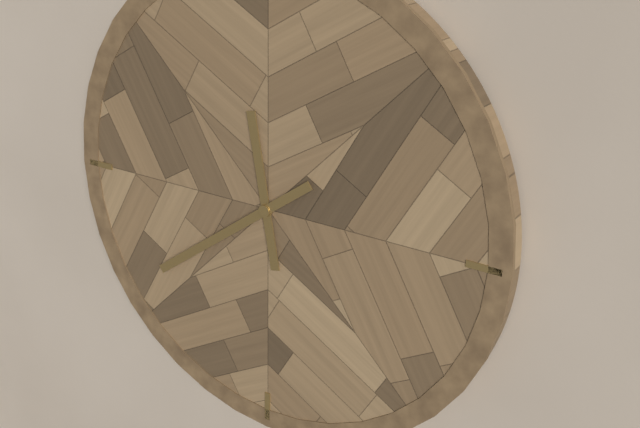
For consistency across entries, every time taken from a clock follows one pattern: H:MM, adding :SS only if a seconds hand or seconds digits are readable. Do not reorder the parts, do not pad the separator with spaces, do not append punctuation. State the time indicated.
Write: 11:39
